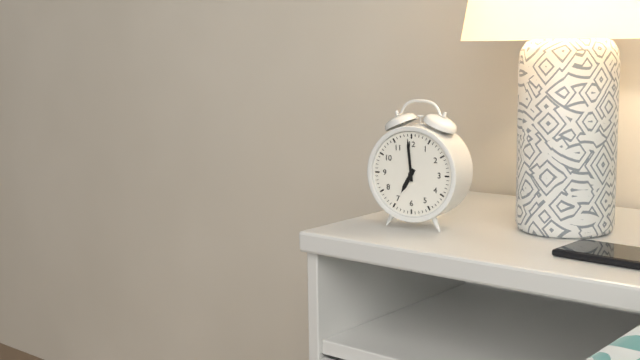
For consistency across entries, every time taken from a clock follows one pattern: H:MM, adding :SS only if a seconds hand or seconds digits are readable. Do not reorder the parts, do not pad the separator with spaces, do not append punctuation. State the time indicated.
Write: 6:59
